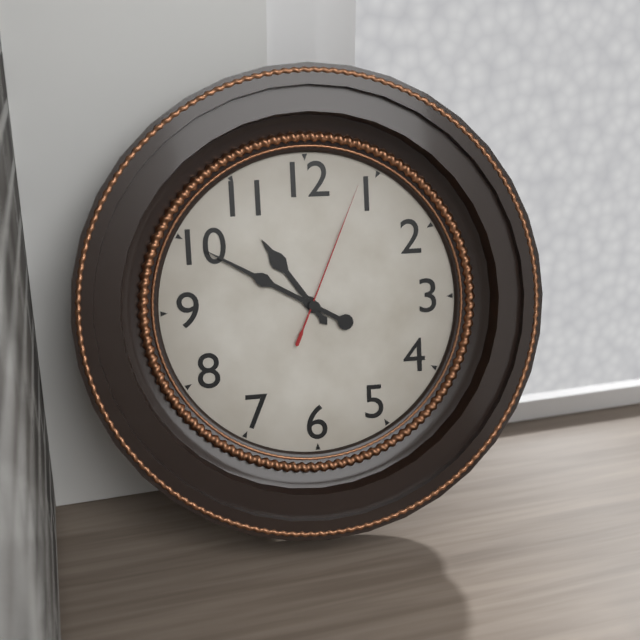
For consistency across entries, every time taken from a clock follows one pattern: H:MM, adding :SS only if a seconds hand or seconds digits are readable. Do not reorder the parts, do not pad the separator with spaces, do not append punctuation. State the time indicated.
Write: 10:50:04
